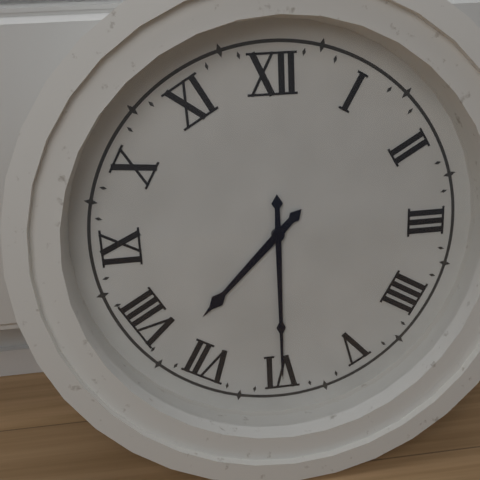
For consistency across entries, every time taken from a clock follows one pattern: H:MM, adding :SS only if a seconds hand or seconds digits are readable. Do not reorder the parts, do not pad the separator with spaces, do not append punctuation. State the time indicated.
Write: 7:30
